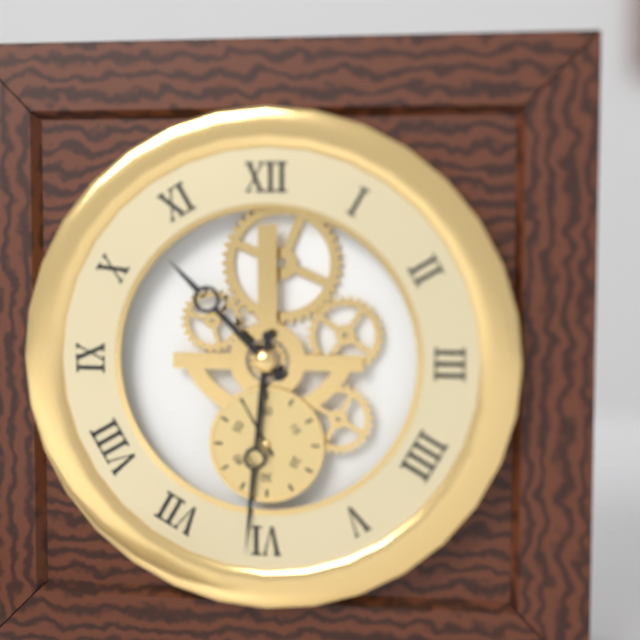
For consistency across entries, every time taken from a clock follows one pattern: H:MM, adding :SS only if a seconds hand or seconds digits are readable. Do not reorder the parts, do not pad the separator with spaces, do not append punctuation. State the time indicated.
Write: 10:31:55
